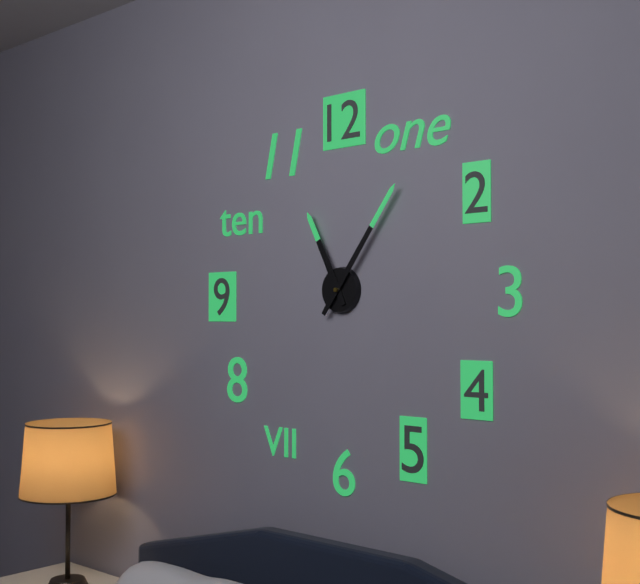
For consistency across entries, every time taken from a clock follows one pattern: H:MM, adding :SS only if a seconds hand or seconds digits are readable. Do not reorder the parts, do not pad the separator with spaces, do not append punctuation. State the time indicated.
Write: 11:06
